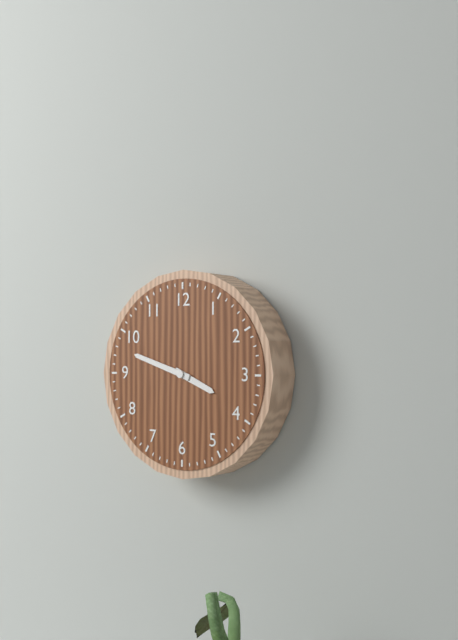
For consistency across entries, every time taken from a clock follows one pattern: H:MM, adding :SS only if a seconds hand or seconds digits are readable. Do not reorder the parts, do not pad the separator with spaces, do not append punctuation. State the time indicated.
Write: 3:48
